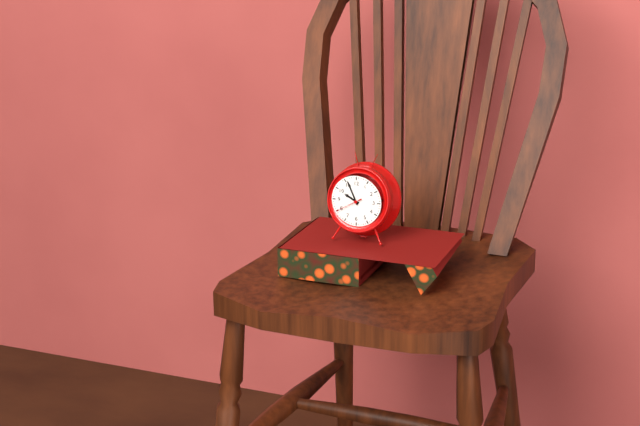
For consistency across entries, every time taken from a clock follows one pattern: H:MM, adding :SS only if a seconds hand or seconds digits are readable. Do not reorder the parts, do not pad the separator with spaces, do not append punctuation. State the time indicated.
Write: 9:56
